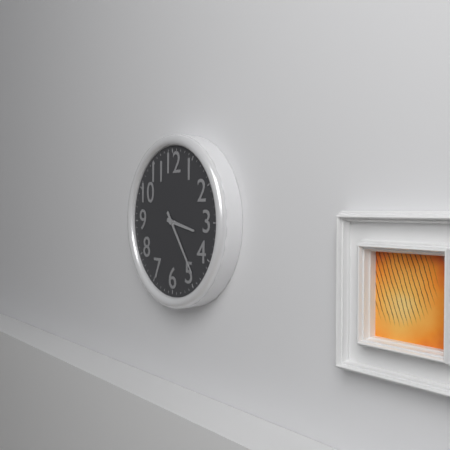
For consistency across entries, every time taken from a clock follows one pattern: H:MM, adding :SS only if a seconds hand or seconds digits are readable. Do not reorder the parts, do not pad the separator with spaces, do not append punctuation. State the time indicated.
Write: 3:24
